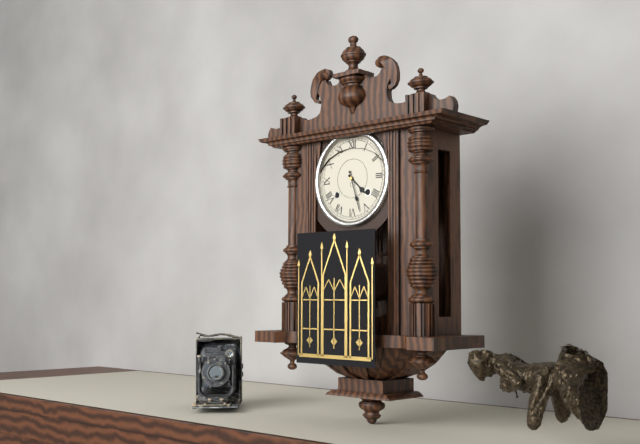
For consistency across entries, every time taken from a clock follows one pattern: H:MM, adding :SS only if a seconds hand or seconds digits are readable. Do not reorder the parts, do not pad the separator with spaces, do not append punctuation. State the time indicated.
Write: 4:27
